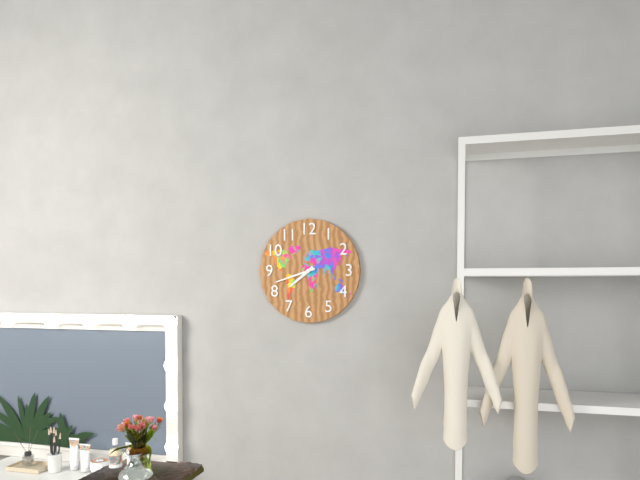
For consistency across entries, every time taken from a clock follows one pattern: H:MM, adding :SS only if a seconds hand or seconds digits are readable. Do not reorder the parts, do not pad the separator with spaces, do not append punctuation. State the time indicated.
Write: 7:42
